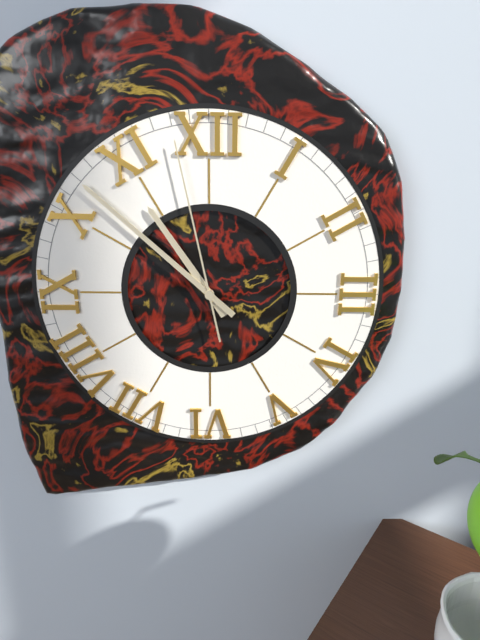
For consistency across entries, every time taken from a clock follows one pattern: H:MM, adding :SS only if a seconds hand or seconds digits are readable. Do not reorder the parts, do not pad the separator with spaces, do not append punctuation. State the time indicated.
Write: 10:52:58
